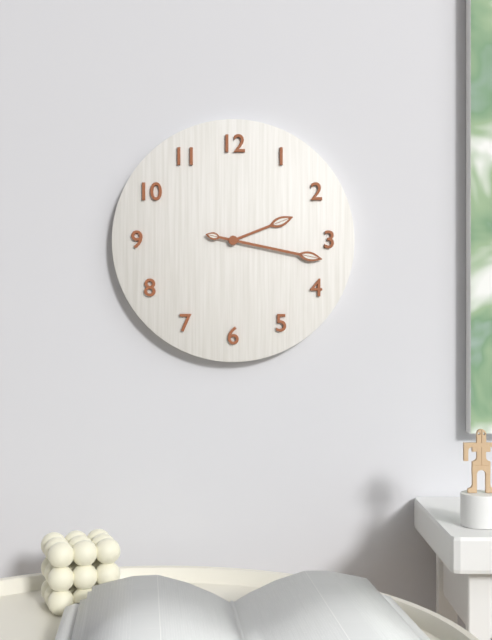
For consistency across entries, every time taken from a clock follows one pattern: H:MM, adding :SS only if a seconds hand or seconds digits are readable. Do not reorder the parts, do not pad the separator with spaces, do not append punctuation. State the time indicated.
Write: 2:17
